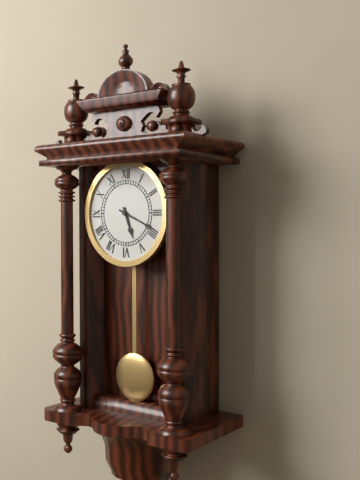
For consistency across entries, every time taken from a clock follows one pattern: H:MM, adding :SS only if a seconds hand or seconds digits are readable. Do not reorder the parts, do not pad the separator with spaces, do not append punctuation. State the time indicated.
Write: 5:19
